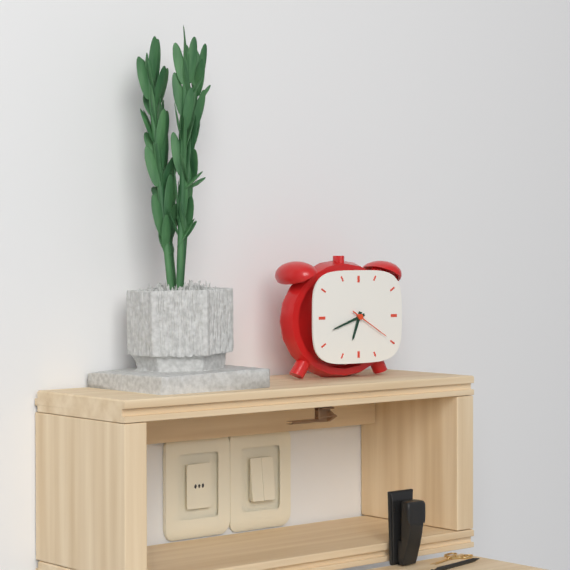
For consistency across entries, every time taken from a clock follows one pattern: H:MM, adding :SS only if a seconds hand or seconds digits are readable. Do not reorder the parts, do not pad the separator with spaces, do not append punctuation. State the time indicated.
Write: 6:42
